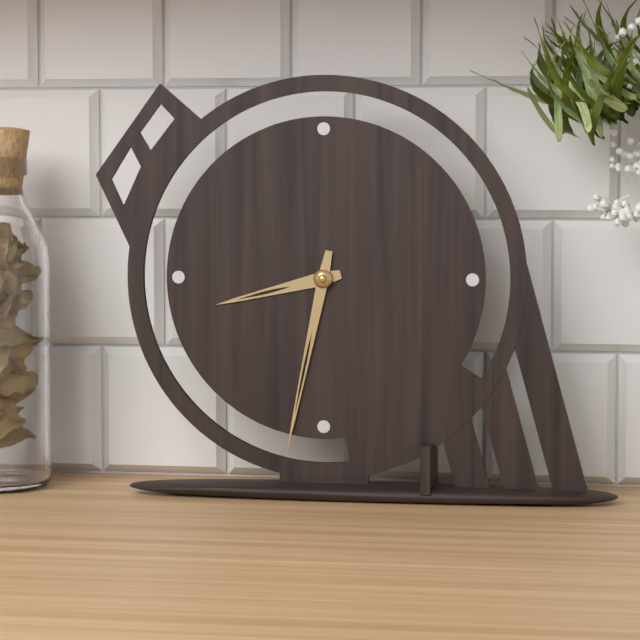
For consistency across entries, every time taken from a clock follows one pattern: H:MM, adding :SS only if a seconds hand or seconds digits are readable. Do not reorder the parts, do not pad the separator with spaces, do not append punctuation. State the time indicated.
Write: 8:32
